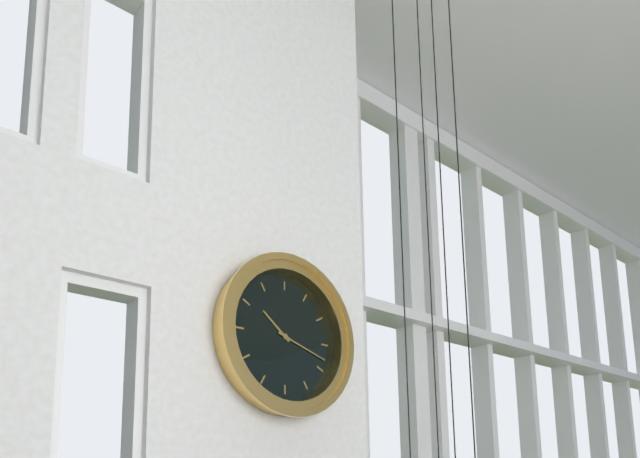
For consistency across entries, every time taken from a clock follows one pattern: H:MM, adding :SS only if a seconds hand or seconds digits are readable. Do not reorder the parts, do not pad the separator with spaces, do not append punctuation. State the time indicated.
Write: 10:18
